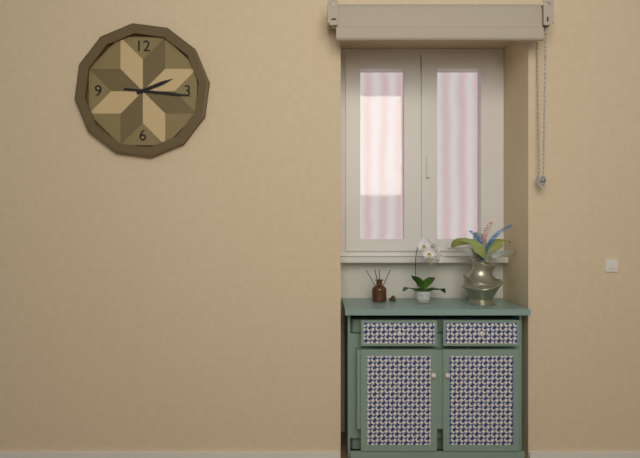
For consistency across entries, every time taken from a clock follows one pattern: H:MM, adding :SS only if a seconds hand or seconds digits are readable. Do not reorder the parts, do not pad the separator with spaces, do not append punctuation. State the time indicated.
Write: 2:16
